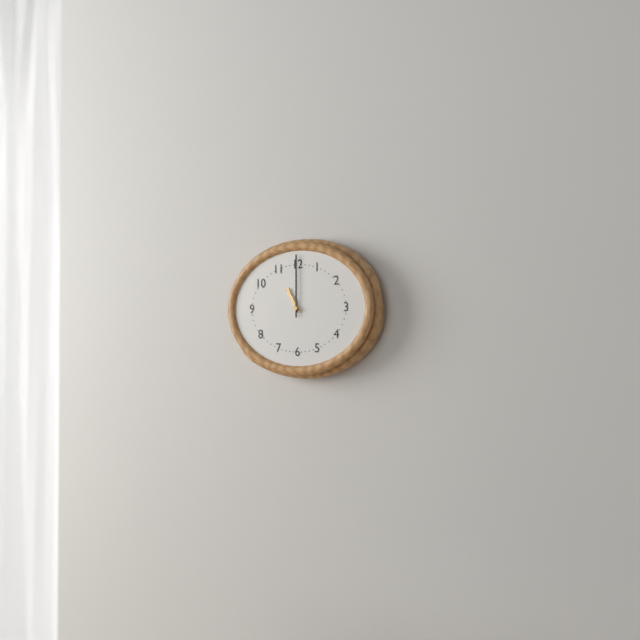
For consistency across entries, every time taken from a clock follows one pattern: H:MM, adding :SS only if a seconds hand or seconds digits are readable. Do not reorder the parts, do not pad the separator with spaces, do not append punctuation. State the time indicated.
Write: 11:00
